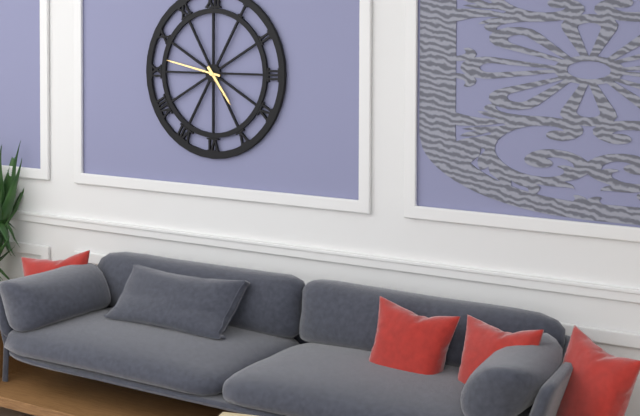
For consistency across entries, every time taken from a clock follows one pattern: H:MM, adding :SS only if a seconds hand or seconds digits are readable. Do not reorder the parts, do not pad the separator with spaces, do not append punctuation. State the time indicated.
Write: 4:47
